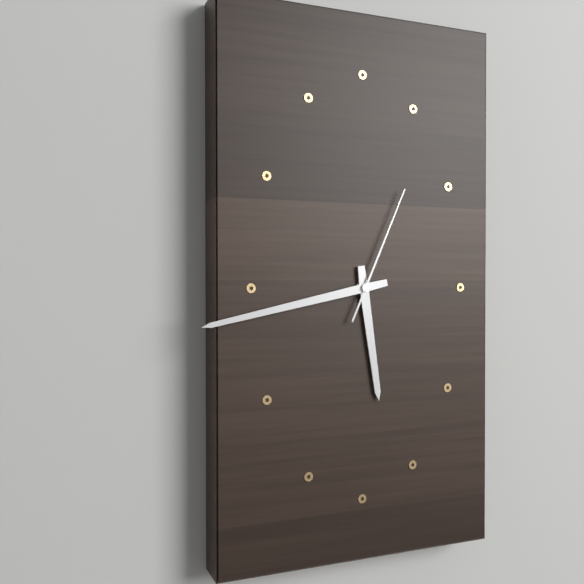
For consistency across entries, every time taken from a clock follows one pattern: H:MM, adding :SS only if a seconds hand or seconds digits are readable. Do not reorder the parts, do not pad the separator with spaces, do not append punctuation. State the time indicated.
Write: 5:43:04
